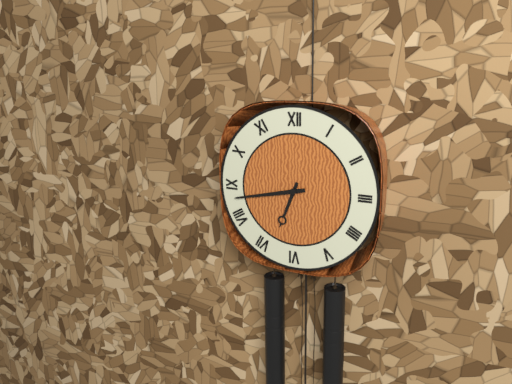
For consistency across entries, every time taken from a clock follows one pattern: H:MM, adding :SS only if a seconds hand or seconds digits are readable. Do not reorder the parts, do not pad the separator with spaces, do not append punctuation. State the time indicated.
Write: 6:43
